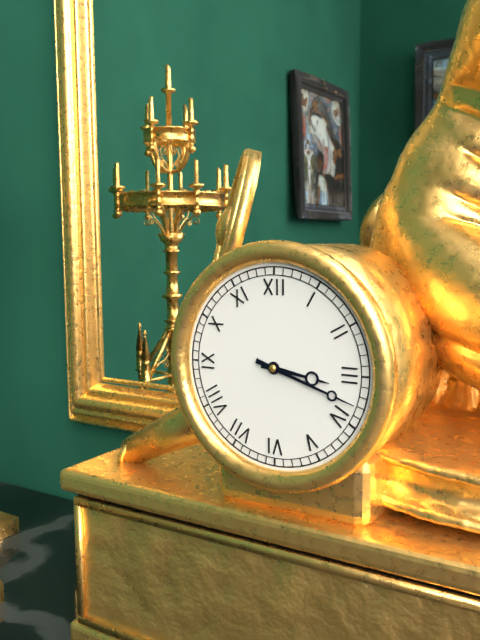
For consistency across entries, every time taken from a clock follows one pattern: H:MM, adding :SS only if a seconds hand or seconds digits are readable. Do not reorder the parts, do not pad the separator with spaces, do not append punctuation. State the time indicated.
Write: 3:18
